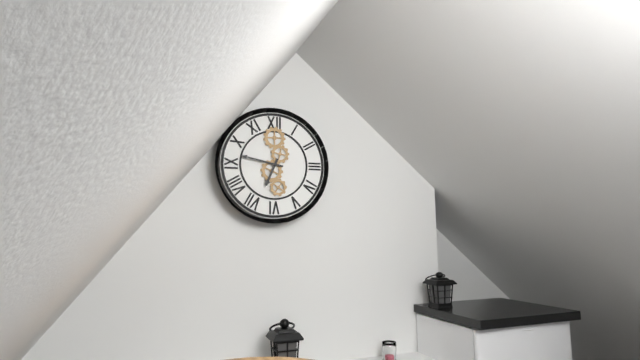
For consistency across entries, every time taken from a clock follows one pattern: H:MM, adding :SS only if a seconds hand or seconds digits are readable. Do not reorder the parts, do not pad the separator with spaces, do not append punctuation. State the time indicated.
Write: 6:47
